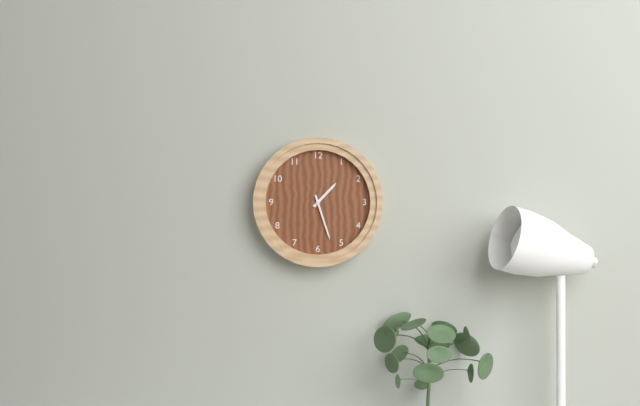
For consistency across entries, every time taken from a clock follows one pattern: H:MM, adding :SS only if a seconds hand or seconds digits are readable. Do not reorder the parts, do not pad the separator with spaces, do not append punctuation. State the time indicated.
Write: 1:27
